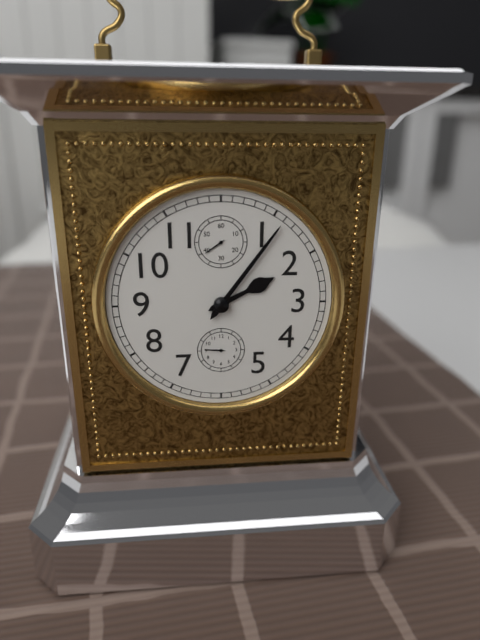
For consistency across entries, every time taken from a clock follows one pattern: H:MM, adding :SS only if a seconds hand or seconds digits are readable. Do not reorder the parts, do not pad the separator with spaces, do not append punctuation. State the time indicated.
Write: 2:06
